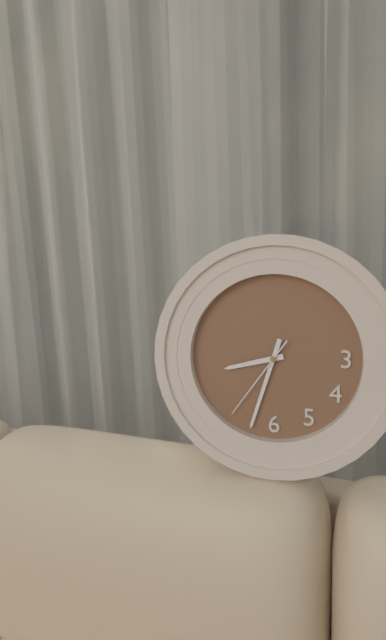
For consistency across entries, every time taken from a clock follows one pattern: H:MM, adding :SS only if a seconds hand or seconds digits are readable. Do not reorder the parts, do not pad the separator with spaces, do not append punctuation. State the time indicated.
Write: 8:33:36
